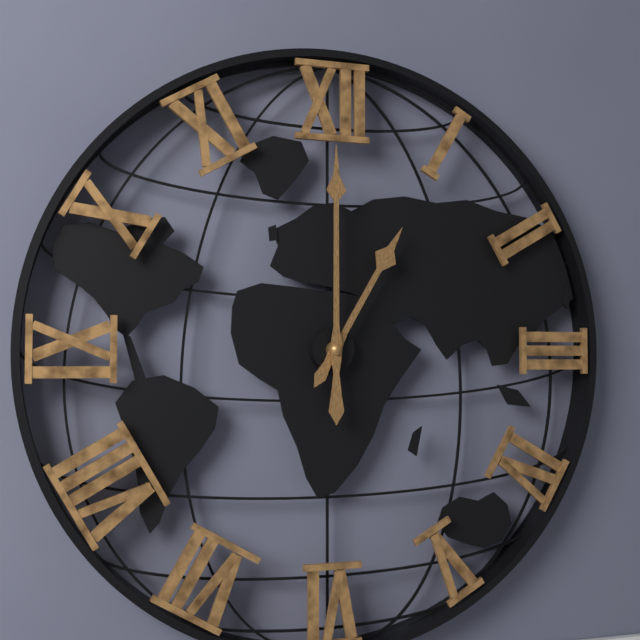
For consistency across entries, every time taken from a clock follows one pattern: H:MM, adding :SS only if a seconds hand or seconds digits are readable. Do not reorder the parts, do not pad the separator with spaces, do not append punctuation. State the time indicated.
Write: 1:00
